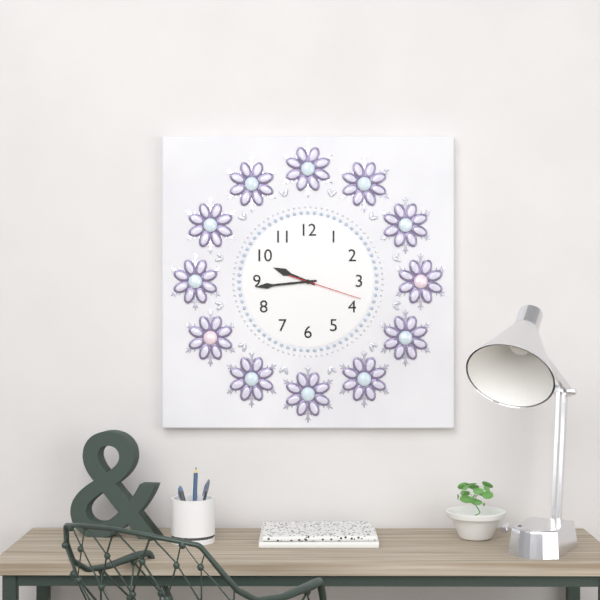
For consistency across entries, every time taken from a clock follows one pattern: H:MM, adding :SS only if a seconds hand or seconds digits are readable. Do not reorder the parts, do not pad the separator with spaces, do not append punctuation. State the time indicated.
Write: 9:44:18
